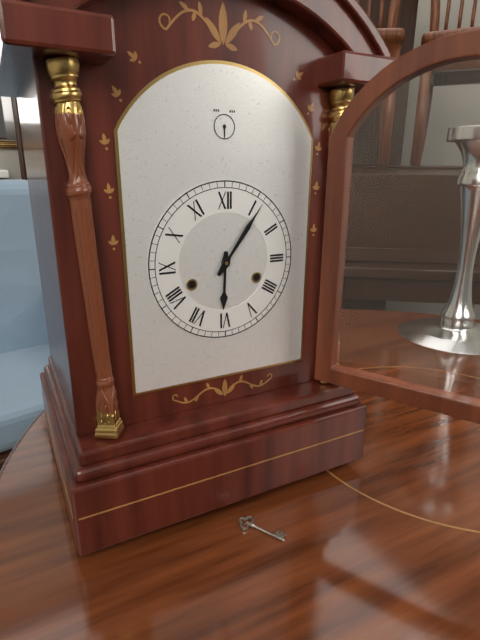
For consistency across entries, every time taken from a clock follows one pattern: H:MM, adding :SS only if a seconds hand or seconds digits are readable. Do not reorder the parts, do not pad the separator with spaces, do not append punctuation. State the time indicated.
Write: 6:06
